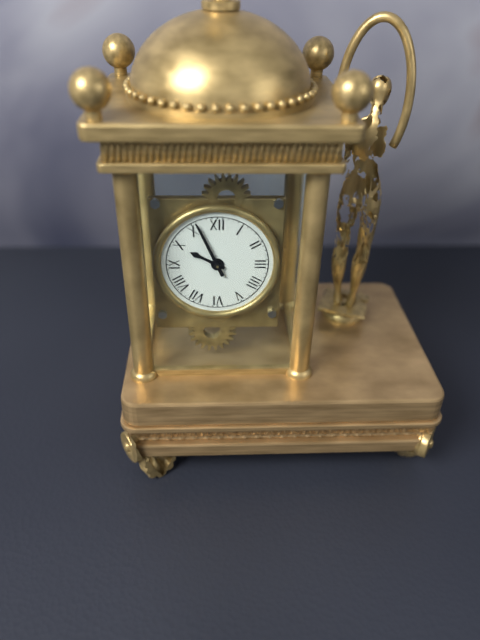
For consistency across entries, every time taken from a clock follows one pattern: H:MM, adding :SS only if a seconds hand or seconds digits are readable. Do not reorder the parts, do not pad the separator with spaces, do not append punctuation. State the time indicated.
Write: 9:56
